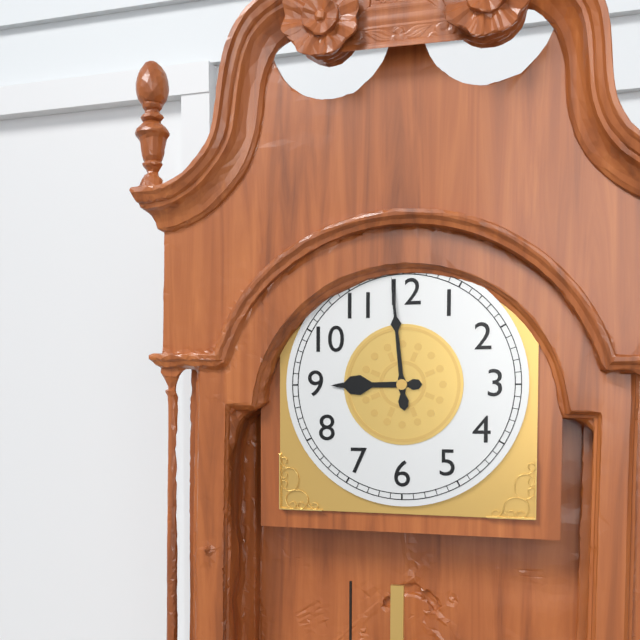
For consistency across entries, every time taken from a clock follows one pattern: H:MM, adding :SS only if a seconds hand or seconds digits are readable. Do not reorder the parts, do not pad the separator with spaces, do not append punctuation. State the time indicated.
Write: 8:59
